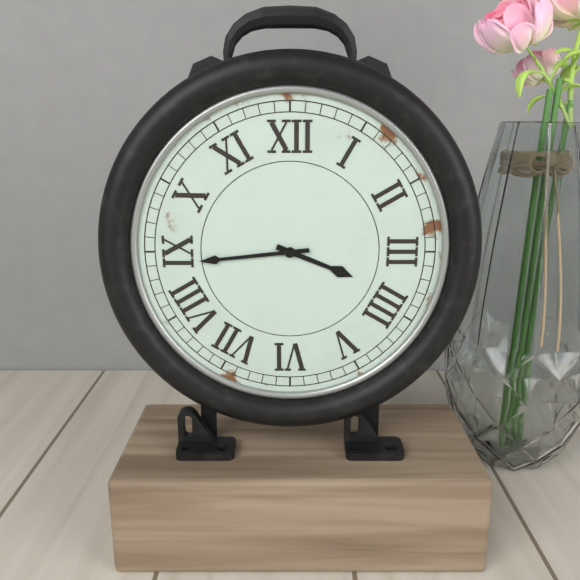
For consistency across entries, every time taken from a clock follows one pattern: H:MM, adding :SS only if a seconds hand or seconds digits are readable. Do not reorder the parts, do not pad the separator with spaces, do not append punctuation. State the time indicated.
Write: 3:44
